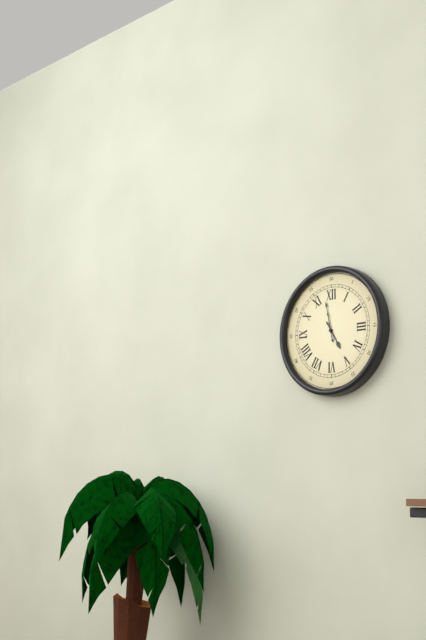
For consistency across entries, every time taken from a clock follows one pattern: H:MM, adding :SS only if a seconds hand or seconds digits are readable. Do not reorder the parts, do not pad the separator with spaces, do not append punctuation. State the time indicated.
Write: 4:58
